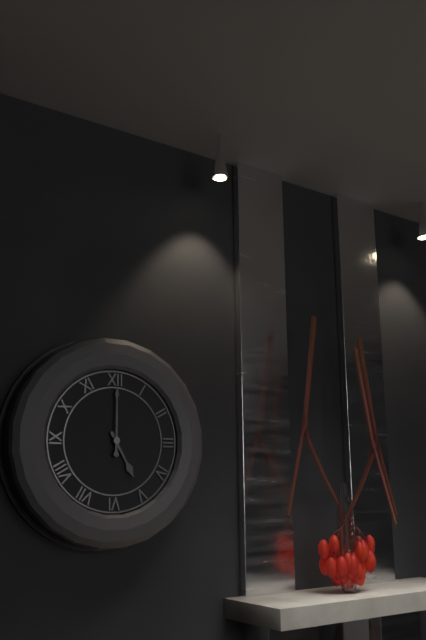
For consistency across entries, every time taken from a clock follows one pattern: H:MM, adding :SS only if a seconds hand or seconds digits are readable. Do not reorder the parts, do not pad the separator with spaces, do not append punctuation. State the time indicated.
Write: 5:00
